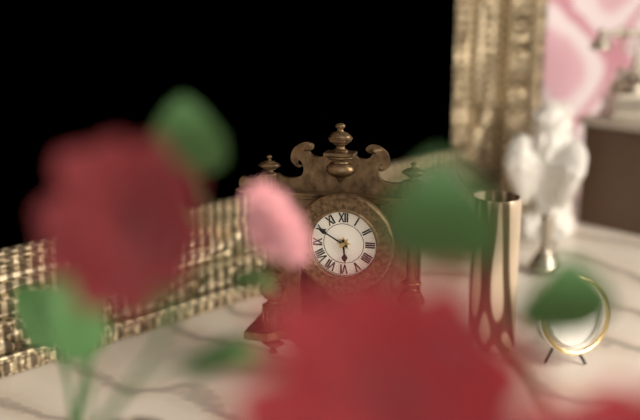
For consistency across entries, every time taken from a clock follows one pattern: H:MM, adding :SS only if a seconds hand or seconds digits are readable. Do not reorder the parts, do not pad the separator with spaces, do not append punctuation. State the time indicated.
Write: 5:50
